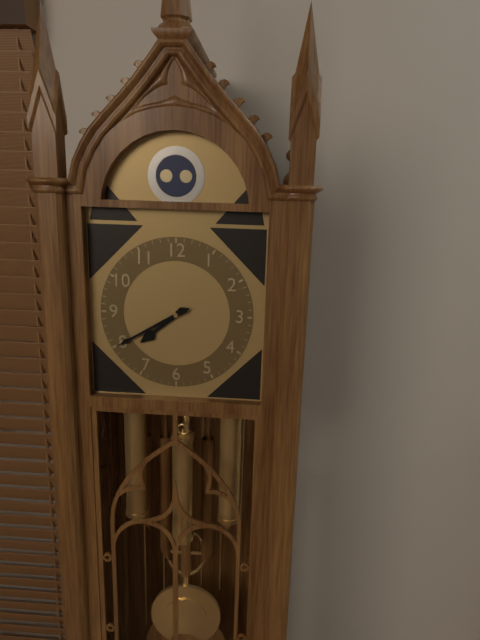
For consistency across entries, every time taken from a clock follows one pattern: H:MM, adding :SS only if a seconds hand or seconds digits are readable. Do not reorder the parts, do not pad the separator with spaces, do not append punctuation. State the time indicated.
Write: 7:40
